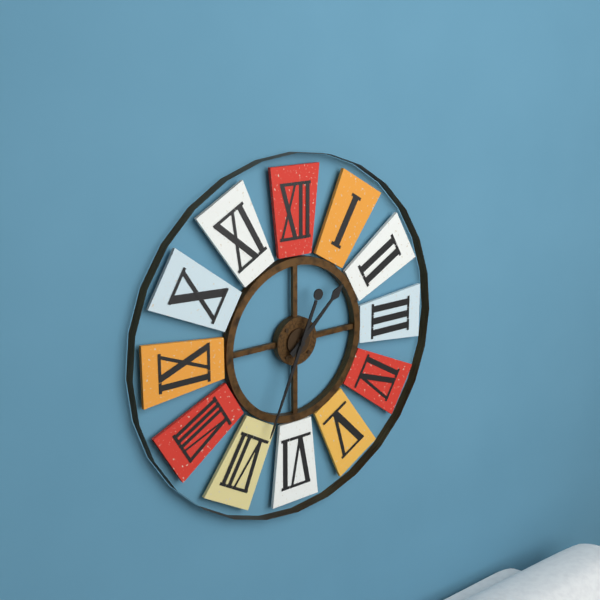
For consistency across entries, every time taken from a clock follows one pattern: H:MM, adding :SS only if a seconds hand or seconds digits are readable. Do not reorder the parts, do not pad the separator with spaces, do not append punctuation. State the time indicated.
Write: 1:34
